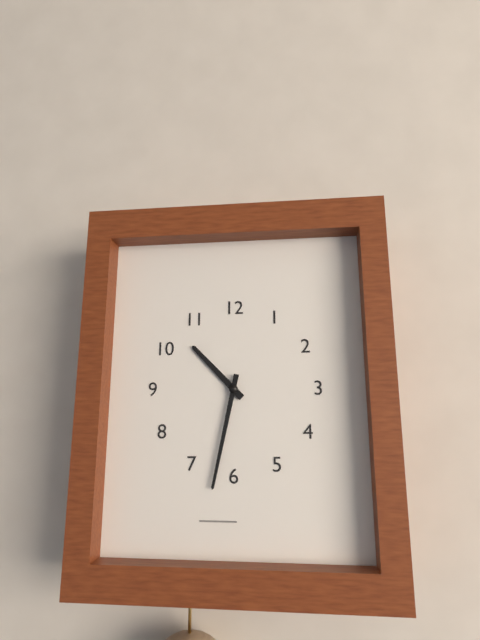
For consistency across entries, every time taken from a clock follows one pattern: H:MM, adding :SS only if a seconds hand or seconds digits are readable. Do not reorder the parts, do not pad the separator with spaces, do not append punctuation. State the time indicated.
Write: 10:32
